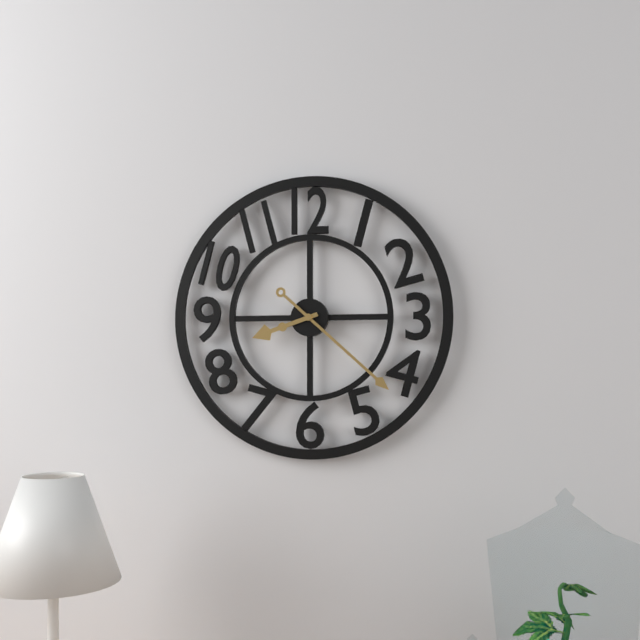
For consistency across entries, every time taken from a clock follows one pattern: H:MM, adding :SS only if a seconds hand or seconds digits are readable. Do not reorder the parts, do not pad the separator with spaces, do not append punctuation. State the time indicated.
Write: 8:22
